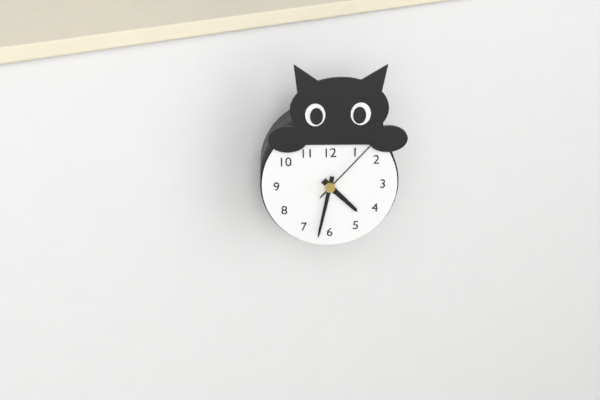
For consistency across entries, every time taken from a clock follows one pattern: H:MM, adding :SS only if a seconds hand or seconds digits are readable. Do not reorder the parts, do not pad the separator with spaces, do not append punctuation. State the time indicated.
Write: 4:32:07
